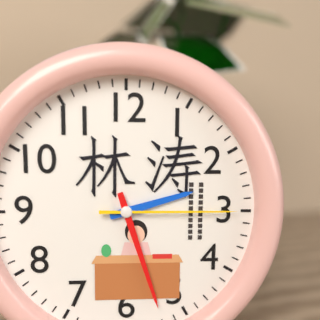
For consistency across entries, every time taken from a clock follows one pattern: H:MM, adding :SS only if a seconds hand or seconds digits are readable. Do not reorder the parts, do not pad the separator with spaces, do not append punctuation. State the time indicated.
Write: 2:27:15
